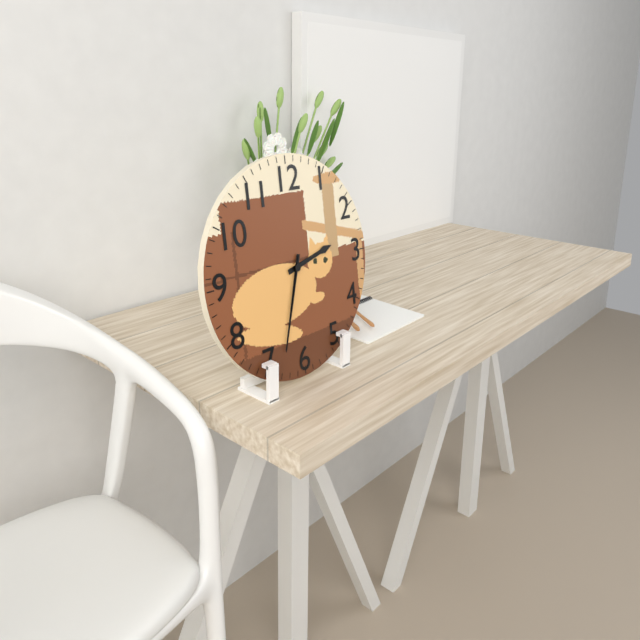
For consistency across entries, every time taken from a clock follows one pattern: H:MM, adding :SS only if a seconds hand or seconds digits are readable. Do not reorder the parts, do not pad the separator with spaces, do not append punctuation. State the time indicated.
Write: 2:33:33
